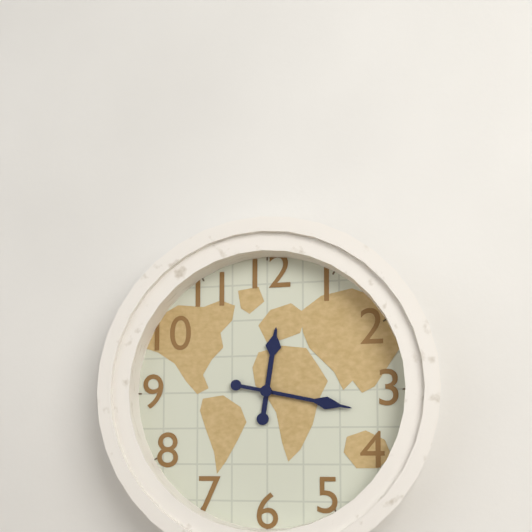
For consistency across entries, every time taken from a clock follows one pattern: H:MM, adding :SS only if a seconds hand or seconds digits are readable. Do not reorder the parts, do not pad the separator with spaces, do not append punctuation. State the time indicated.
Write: 12:17
